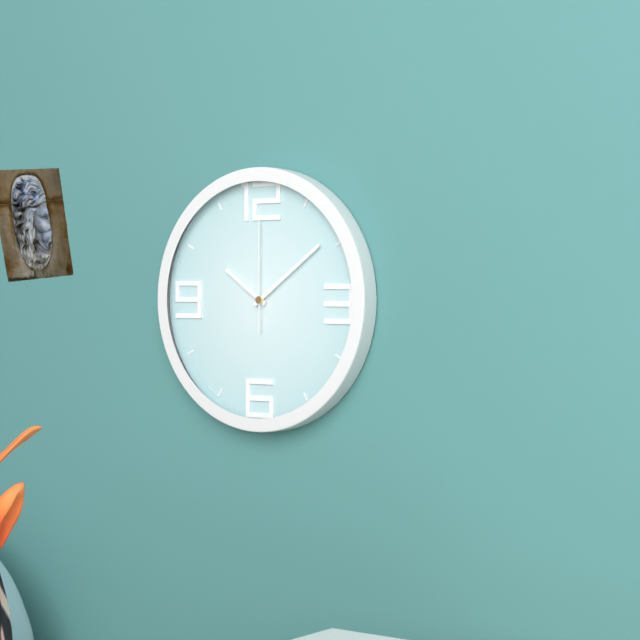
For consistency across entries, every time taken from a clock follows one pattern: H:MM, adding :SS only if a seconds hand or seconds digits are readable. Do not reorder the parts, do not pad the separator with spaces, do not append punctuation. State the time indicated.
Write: 10:09:00
